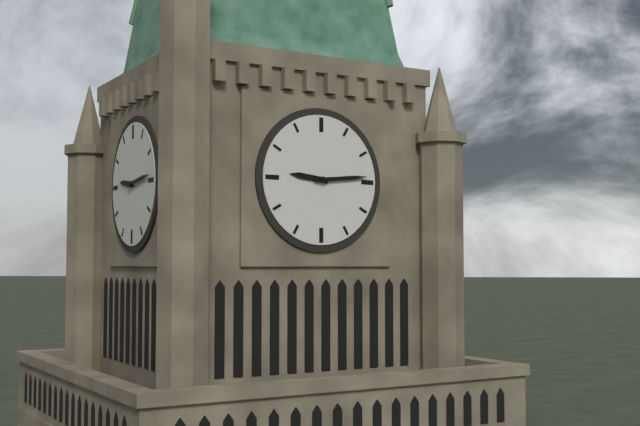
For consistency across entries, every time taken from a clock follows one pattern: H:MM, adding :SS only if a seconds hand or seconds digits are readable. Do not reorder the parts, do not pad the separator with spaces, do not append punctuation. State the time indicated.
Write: 9:14
